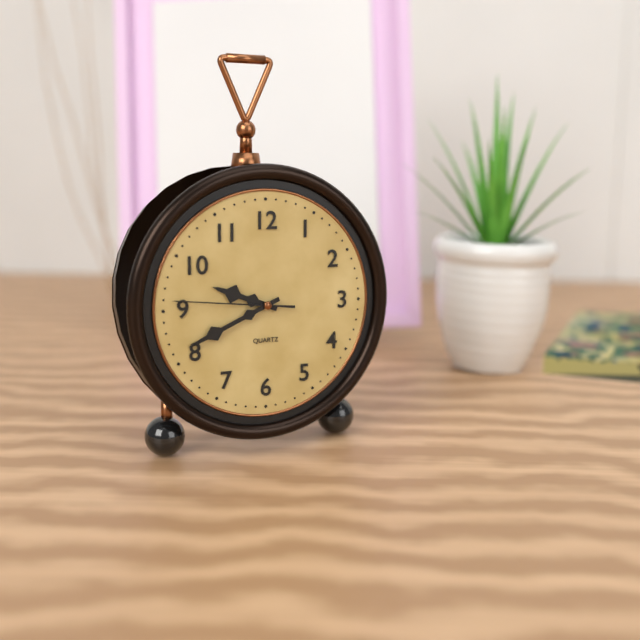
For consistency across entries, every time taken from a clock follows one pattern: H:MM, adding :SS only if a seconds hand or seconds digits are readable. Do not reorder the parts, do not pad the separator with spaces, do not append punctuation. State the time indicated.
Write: 9:41:46
